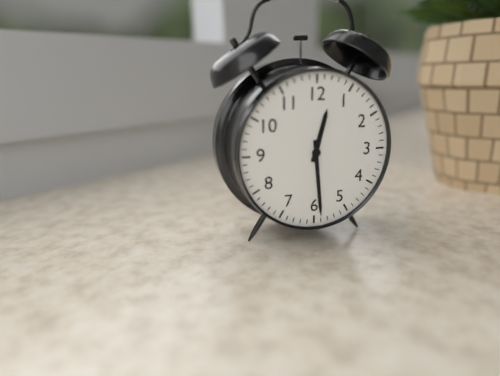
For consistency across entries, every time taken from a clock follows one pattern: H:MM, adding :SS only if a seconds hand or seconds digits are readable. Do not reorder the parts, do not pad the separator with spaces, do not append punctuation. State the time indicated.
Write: 12:29
